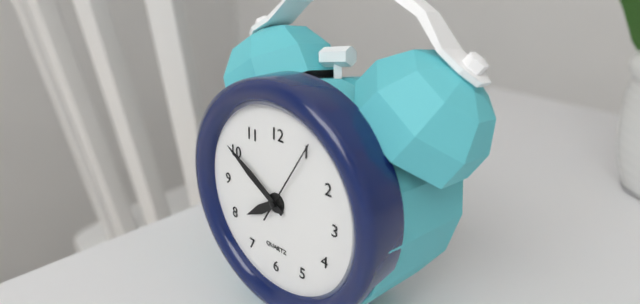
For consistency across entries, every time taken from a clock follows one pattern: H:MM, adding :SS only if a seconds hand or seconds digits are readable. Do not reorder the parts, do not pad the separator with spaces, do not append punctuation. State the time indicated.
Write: 7:50:05
